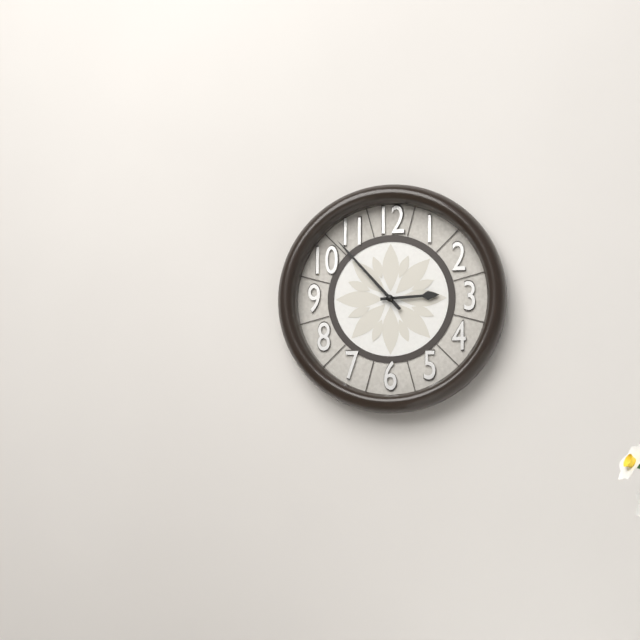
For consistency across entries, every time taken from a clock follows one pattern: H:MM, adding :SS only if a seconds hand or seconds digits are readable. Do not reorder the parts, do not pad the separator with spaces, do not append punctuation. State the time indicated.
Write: 2:53
